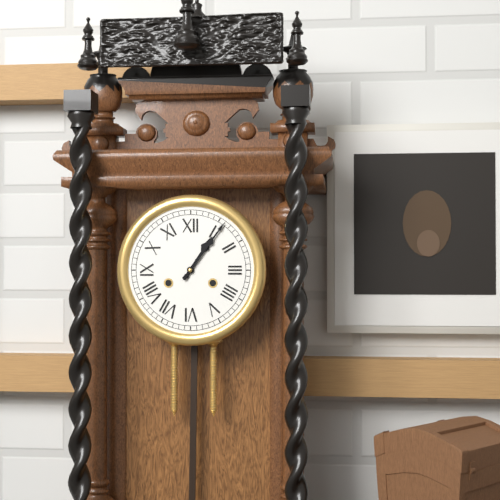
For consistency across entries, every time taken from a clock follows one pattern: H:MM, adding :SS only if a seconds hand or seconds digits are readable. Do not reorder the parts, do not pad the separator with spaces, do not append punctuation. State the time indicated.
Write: 1:06
